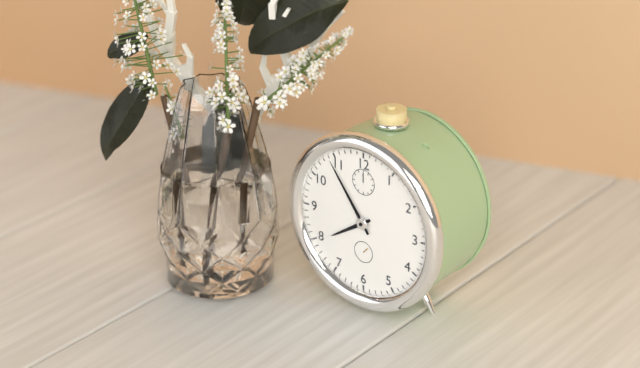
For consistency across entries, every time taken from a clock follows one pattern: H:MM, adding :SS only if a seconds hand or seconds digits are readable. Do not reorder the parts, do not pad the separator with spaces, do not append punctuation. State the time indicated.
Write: 7:54
